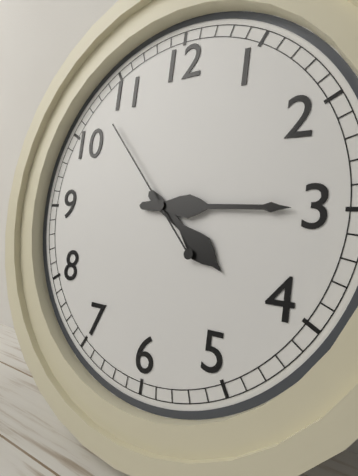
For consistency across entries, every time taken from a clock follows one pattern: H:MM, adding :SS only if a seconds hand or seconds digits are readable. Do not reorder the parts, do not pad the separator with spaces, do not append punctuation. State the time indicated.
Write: 4:15:53
